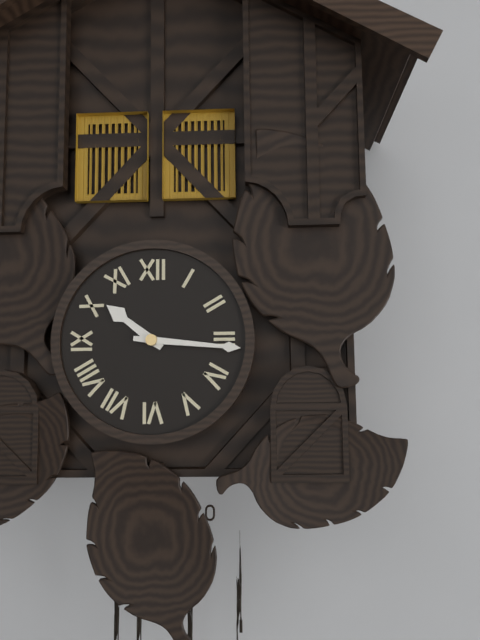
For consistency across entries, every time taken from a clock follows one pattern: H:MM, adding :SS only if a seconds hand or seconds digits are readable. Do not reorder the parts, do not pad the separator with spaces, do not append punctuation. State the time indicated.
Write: 10:16
